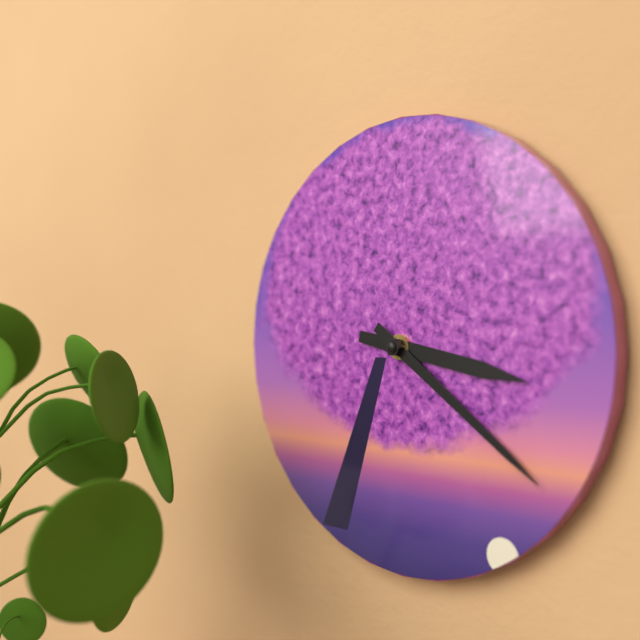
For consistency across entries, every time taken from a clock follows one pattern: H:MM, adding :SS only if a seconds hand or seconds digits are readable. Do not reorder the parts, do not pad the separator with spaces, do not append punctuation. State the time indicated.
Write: 3:21
